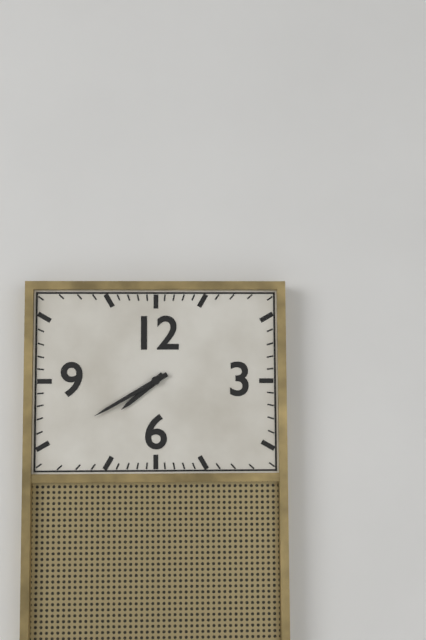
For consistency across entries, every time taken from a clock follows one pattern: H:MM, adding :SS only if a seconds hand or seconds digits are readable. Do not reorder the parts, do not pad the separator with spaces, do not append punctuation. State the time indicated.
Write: 7:40
